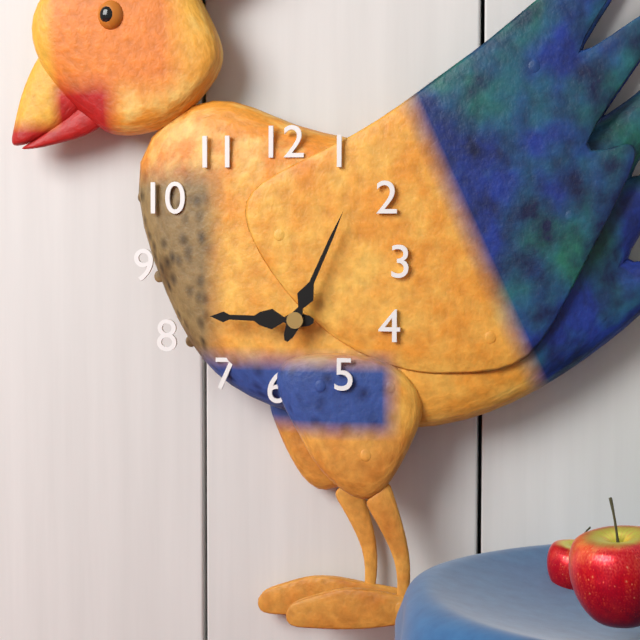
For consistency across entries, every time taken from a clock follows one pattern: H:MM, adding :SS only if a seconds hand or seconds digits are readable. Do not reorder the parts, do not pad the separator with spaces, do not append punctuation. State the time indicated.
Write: 9:04
